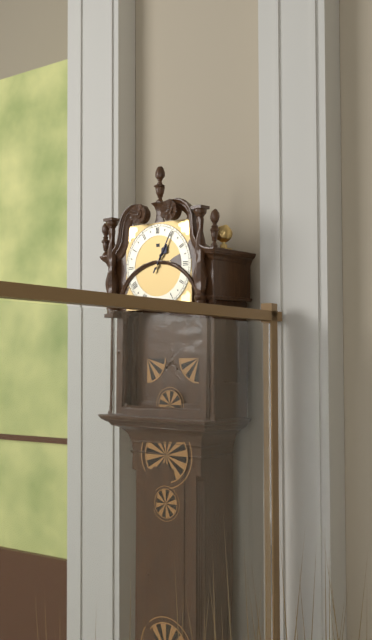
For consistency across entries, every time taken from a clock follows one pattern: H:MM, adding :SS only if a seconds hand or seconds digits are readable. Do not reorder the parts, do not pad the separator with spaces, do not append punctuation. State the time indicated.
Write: 1:05
